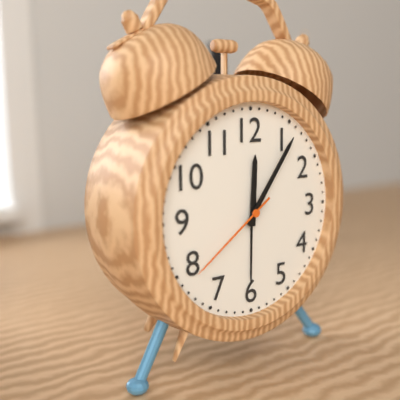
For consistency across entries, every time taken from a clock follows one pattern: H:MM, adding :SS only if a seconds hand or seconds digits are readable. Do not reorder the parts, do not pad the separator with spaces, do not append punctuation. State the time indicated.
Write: 12:06:39
